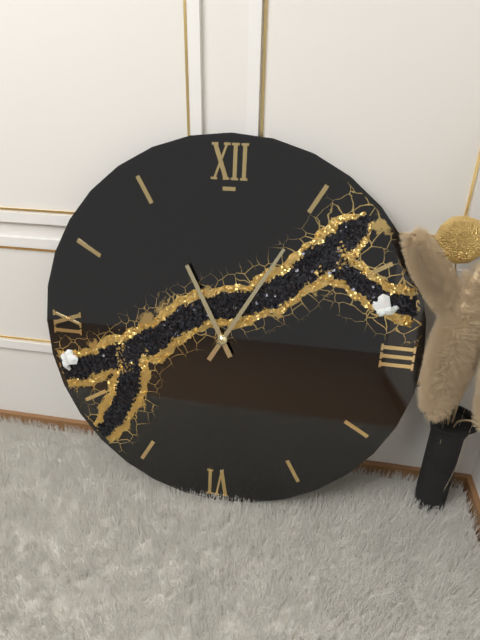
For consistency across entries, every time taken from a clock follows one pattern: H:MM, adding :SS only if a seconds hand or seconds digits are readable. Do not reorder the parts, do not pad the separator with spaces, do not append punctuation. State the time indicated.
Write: 11:05
